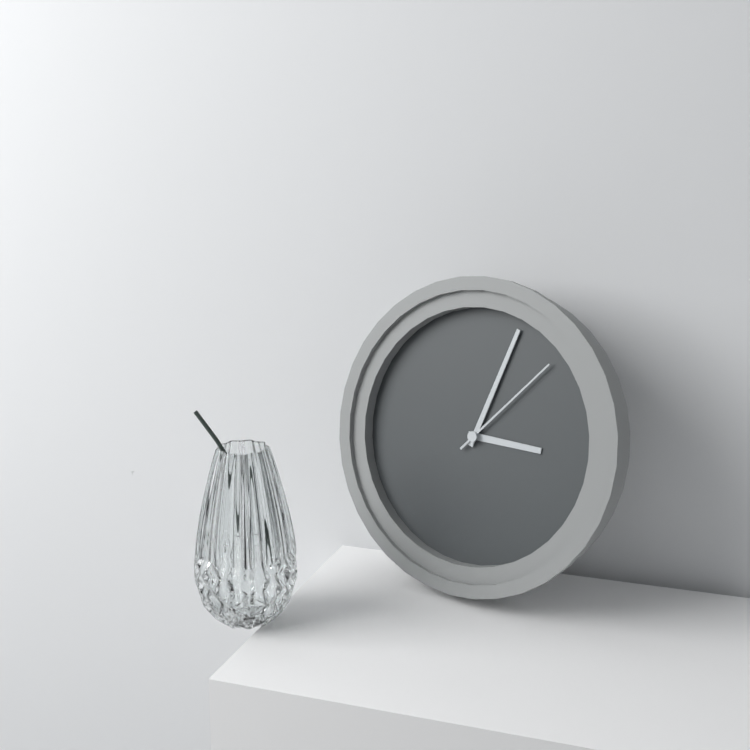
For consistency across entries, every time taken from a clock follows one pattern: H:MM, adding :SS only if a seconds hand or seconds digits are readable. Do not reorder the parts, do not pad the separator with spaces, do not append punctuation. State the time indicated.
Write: 3:03:07
